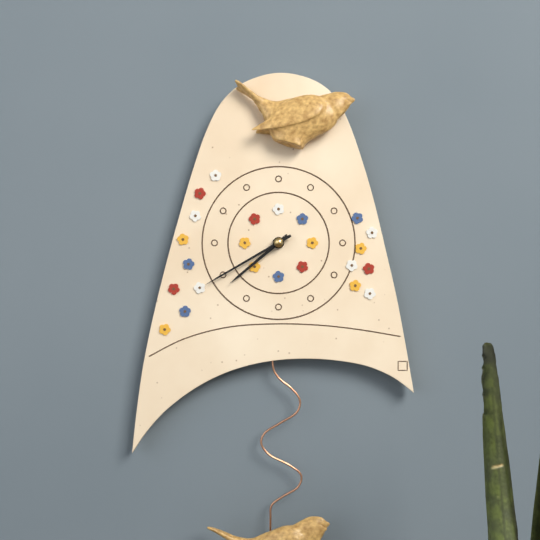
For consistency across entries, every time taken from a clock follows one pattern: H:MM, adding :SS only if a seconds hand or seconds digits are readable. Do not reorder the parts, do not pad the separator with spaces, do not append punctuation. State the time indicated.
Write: 7:40
